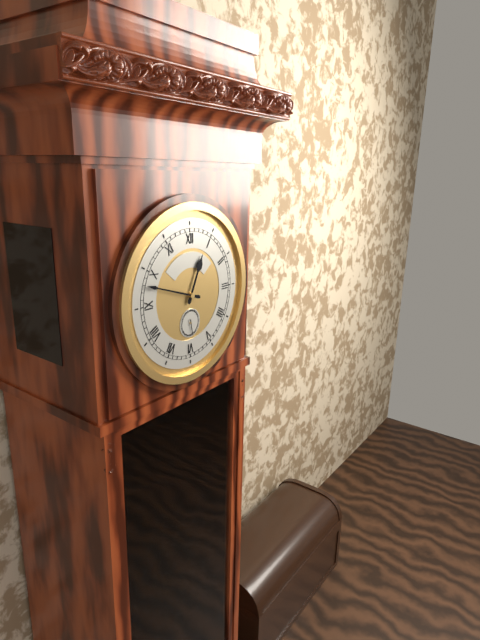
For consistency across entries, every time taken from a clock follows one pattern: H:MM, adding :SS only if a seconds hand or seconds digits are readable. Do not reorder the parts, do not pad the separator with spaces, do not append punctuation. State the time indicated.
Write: 12:48
